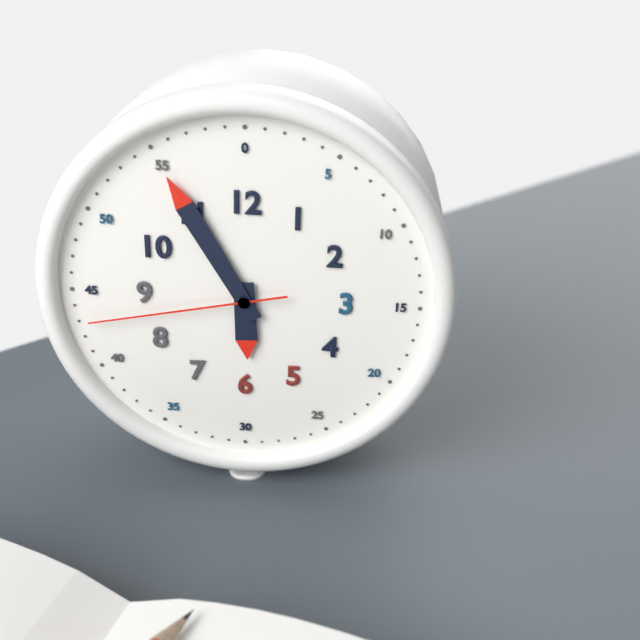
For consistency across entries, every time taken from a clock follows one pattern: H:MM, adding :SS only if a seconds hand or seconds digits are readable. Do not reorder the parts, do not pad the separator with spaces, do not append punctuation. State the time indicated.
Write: 5:55:43
